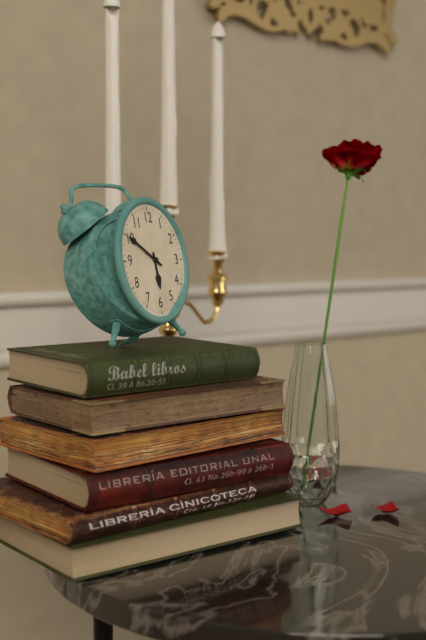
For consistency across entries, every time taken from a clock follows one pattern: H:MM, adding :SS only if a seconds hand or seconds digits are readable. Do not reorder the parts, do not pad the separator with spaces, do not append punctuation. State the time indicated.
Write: 5:50
